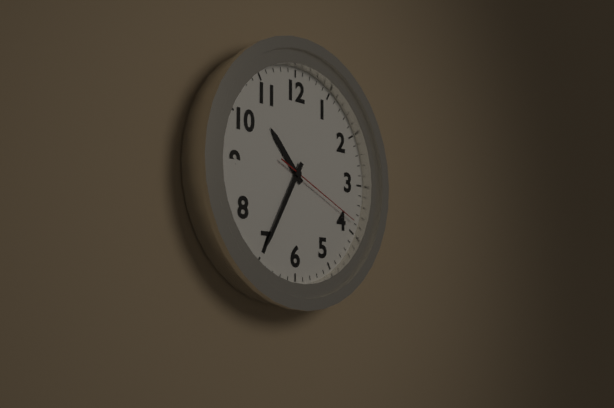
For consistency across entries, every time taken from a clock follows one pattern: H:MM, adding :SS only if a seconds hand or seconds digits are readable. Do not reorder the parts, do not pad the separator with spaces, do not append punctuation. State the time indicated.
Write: 10:35:19
